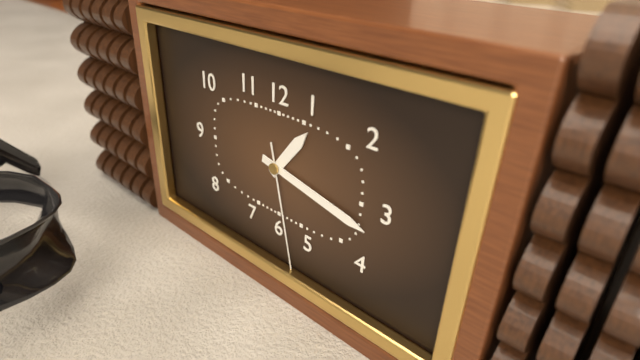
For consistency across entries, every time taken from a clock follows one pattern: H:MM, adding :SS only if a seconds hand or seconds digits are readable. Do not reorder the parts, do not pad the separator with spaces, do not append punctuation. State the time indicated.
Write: 1:17:28
